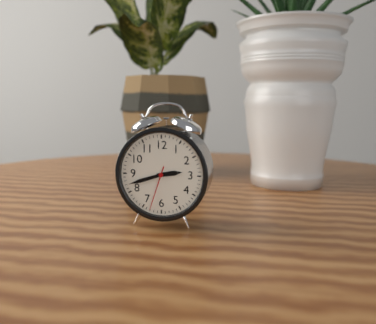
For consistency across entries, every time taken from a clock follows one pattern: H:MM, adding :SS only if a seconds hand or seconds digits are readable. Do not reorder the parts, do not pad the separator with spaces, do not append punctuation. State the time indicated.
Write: 2:42:33
